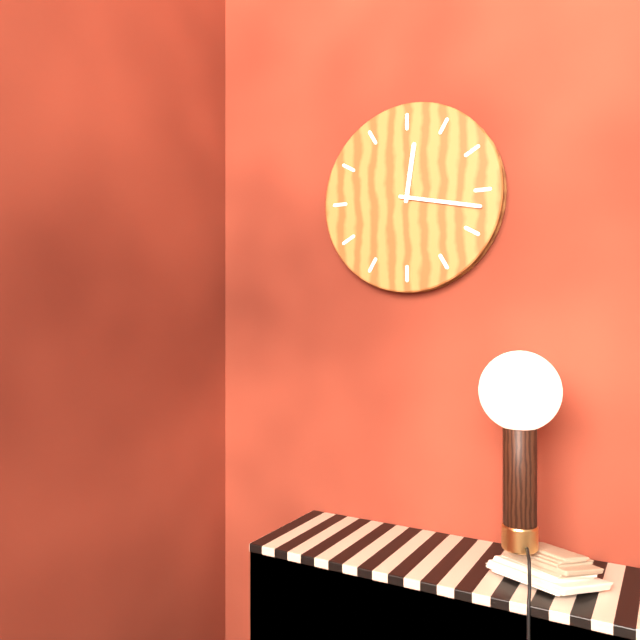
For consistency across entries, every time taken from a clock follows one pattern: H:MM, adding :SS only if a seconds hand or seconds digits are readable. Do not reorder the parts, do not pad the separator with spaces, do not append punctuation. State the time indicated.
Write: 12:17
